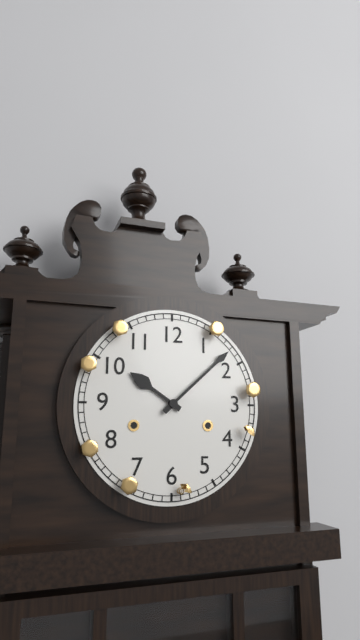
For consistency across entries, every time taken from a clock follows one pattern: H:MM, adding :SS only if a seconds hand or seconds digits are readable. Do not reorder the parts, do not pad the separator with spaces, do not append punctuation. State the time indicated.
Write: 10:08
